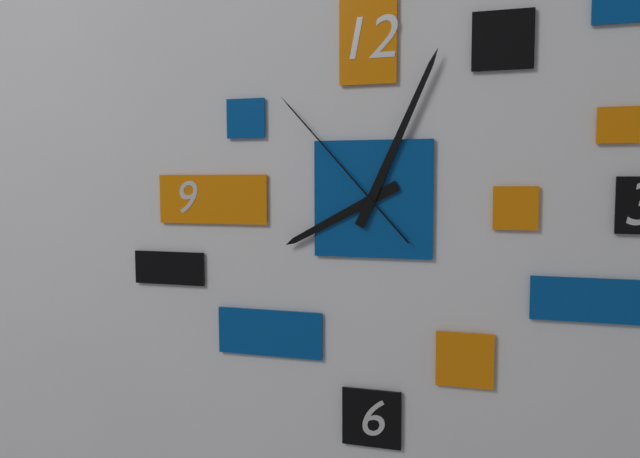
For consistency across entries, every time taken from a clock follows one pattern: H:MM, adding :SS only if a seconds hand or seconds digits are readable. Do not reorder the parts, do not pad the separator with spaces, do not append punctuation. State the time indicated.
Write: 8:04:53
